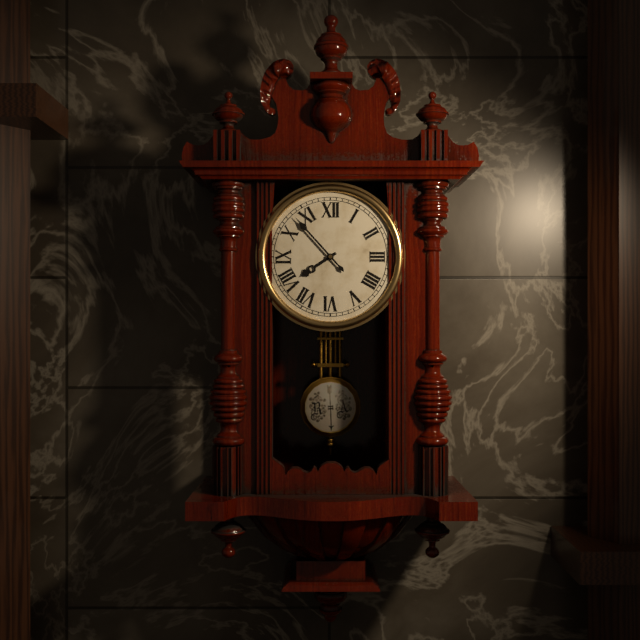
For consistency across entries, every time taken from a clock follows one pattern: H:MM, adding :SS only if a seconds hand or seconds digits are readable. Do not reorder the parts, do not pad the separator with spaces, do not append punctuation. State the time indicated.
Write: 7:53
